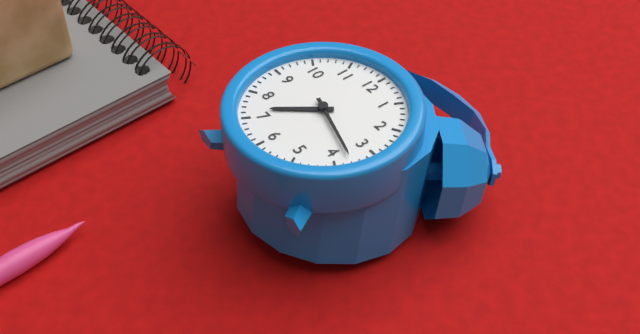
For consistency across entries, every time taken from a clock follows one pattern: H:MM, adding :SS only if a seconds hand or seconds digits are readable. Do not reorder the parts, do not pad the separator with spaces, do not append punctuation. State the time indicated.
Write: 7:18
